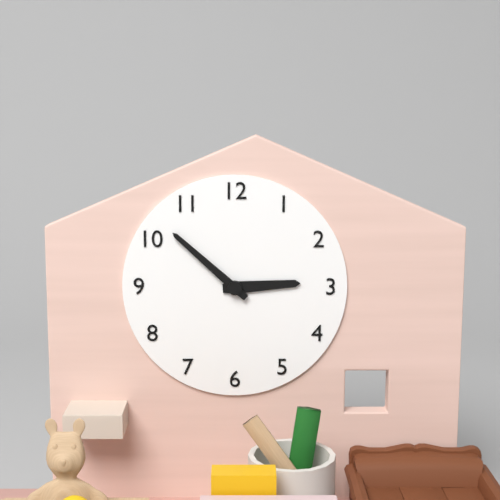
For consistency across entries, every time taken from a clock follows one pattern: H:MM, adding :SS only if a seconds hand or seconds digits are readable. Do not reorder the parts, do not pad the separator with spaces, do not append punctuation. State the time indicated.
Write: 2:52
